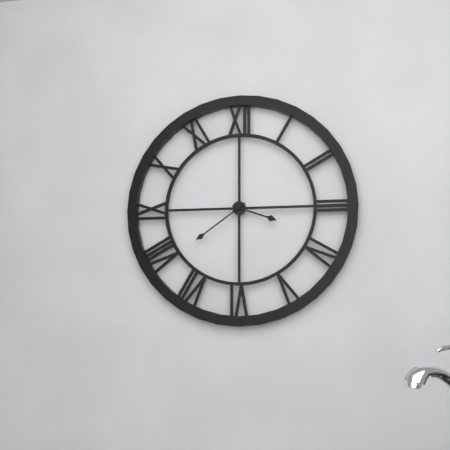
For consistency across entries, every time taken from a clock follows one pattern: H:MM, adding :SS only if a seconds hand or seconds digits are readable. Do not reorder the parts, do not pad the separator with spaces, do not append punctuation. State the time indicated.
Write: 3:39
